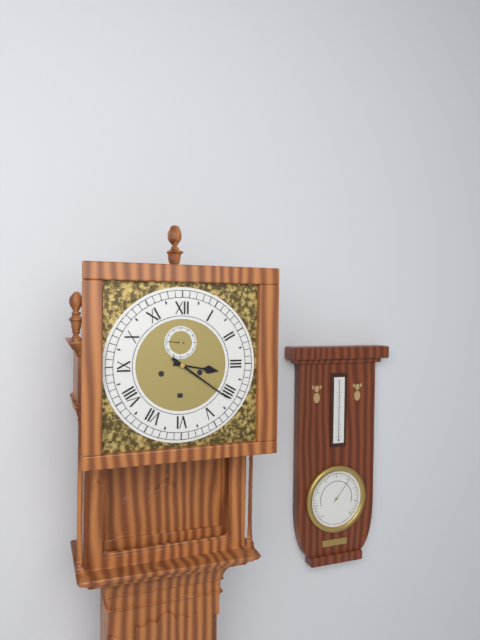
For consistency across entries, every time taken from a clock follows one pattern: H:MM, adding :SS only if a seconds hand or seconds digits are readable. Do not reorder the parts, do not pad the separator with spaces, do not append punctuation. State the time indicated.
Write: 3:21
